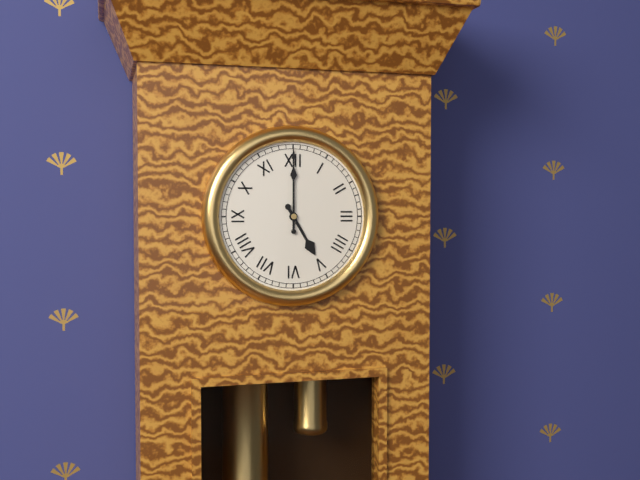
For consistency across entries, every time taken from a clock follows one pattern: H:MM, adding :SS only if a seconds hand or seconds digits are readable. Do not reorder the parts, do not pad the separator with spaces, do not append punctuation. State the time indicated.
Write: 5:00
